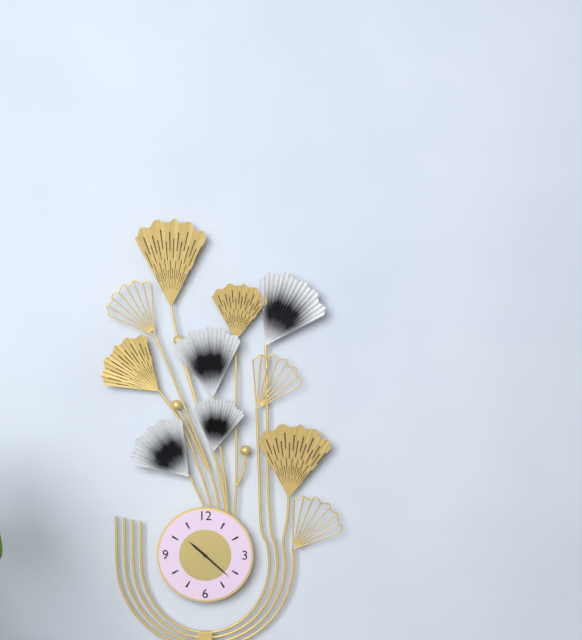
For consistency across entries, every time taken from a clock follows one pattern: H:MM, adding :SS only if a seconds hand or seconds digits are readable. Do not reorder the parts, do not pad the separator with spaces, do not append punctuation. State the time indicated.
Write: 10:22
